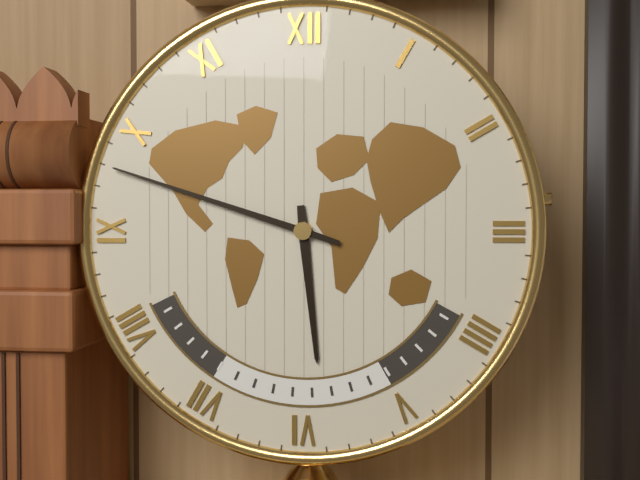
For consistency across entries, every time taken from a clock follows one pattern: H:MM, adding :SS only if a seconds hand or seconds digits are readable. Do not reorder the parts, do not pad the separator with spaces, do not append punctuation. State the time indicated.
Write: 5:48
